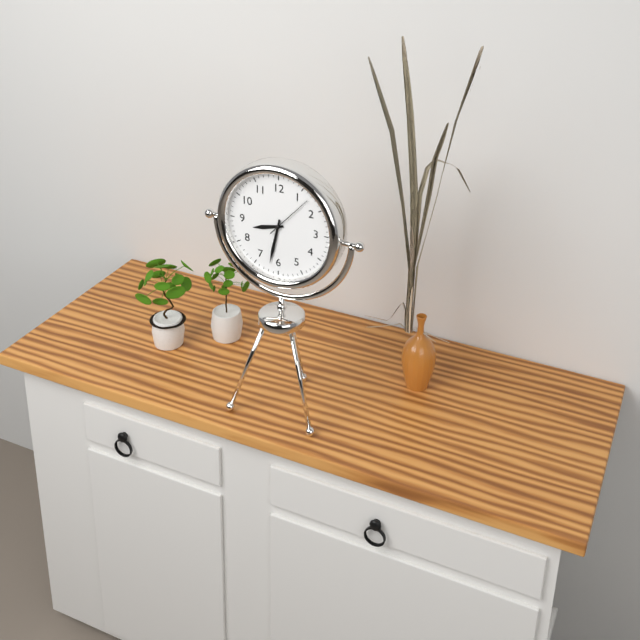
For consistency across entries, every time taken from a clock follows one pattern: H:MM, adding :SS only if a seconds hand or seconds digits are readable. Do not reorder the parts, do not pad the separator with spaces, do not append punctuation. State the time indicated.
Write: 8:32
